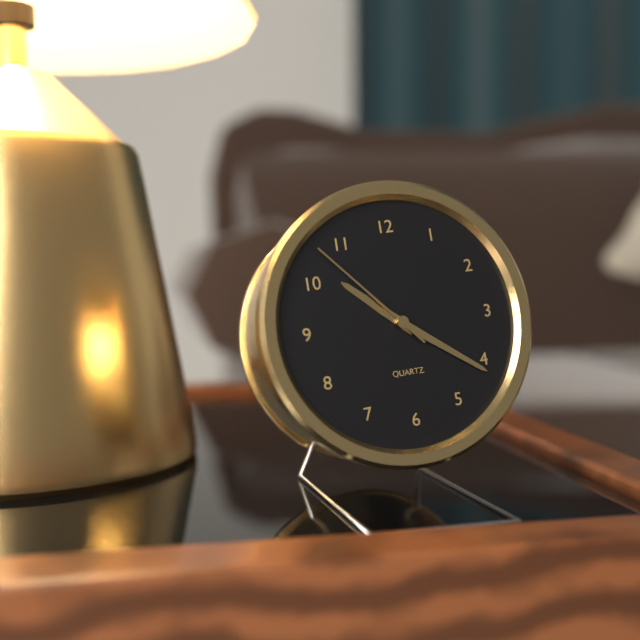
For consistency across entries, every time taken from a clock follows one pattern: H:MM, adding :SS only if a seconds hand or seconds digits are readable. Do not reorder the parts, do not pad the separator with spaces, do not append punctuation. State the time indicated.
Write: 10:21:53
